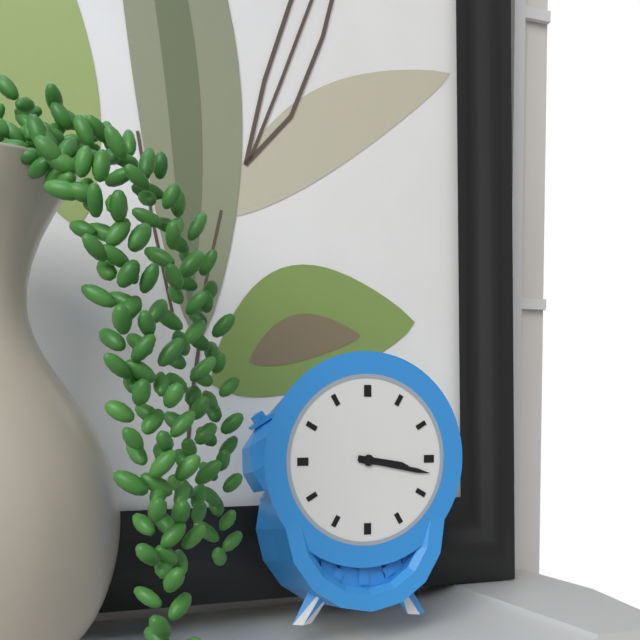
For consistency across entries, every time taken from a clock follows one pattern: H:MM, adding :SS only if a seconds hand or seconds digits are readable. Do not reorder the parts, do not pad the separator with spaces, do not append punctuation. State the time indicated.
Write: 3:17
